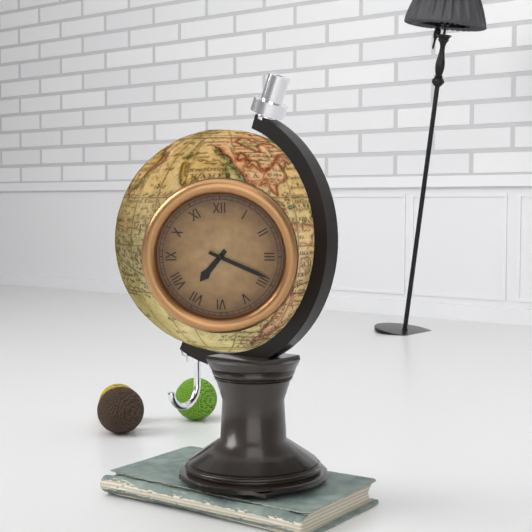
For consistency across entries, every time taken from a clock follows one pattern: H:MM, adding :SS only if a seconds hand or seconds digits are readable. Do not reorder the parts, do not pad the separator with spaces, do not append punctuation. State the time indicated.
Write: 7:19
